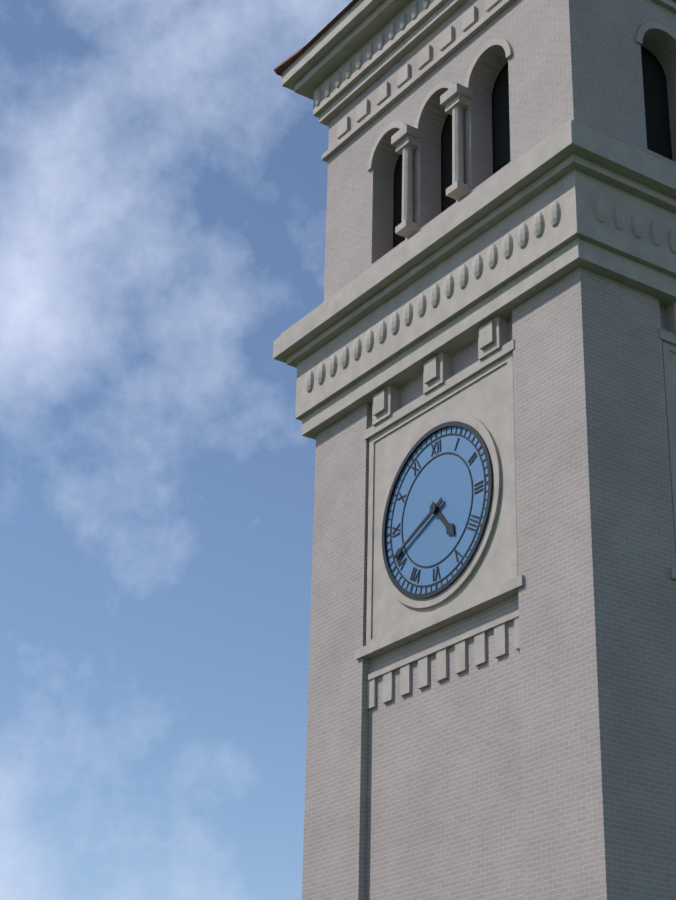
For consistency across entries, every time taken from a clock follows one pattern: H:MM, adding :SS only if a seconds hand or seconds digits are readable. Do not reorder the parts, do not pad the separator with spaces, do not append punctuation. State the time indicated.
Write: 4:41
